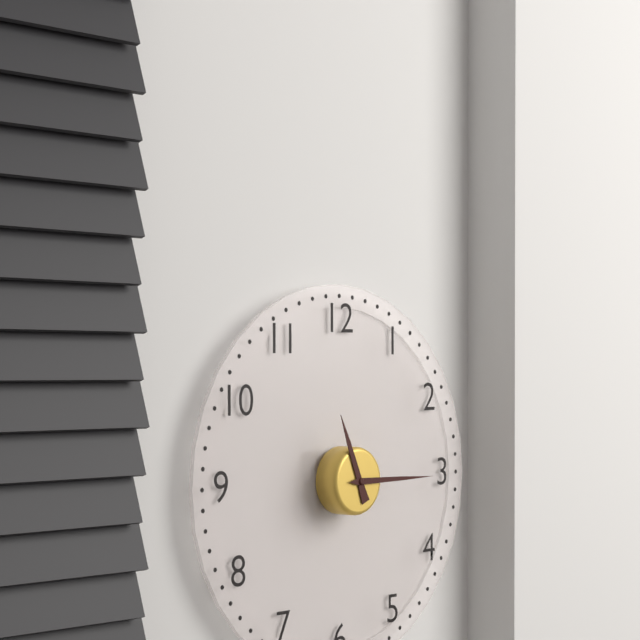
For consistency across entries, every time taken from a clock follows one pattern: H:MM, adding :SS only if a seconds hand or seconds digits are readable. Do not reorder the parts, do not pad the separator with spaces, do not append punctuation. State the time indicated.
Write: 11:15
